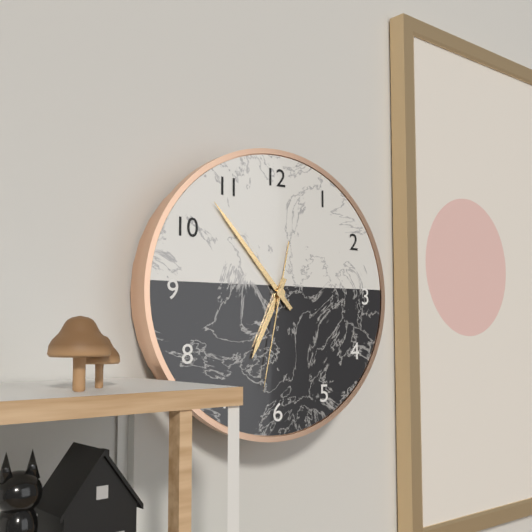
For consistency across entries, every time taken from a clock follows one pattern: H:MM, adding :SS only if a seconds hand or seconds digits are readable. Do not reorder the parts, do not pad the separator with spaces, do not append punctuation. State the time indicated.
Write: 6:53:32
